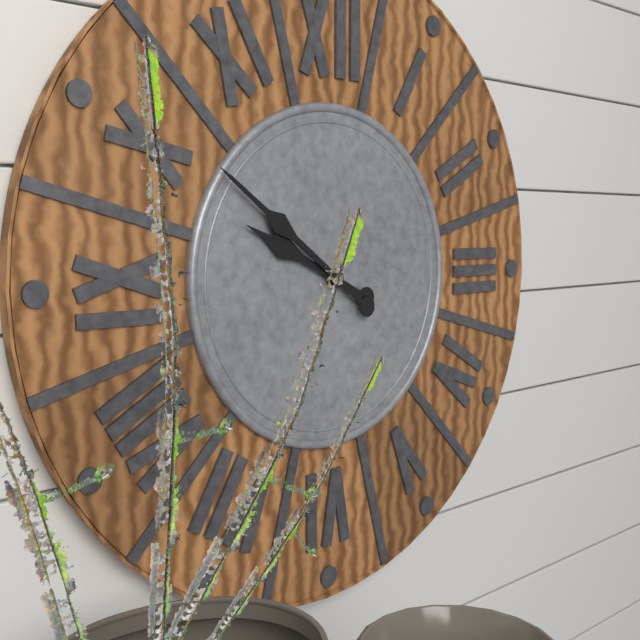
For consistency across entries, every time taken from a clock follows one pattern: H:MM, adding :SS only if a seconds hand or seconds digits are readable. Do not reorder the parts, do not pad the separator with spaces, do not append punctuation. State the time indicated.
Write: 9:51
